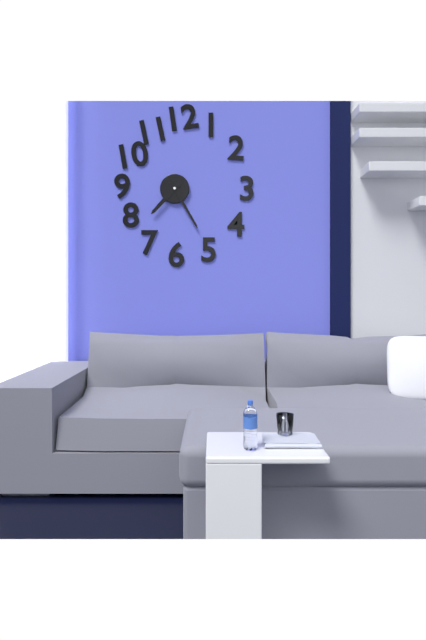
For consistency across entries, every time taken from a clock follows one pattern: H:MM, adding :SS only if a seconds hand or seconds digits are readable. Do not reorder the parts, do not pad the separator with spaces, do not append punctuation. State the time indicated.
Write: 7:25
